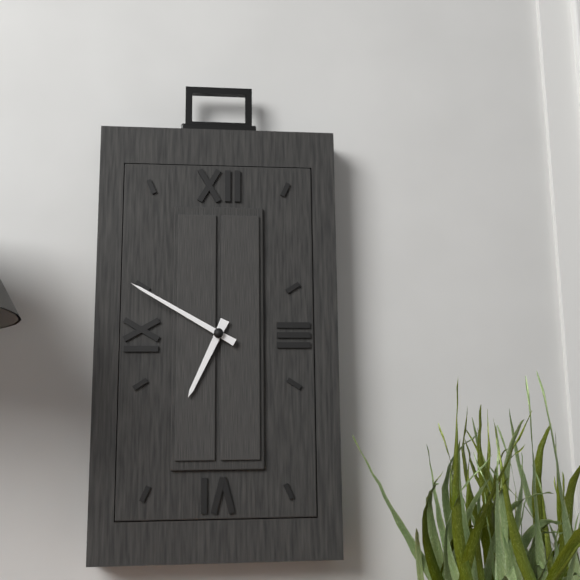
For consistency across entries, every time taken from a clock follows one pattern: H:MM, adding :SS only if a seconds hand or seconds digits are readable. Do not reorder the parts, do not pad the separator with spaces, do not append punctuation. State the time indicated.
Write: 6:50
